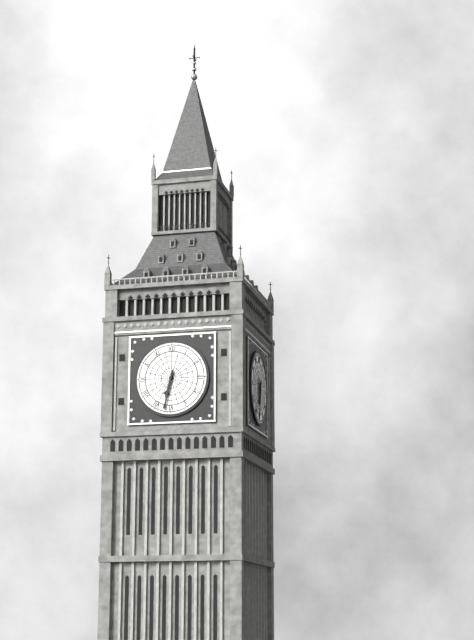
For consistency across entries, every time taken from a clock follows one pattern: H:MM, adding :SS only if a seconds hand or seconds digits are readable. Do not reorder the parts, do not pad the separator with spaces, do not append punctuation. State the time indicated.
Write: 6:32
